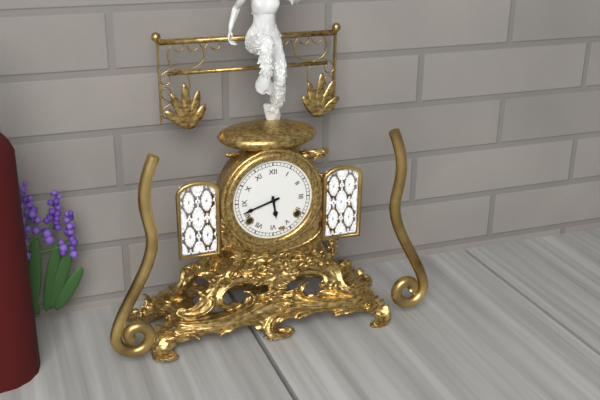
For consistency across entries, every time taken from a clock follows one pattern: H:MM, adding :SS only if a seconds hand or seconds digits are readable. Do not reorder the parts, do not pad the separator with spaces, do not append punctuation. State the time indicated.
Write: 5:42
